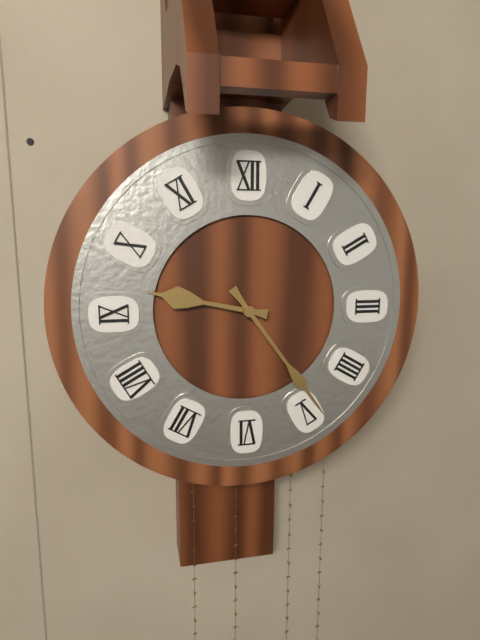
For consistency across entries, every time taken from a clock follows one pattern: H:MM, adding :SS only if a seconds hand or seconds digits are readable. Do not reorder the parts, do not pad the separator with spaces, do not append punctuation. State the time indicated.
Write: 9:24
